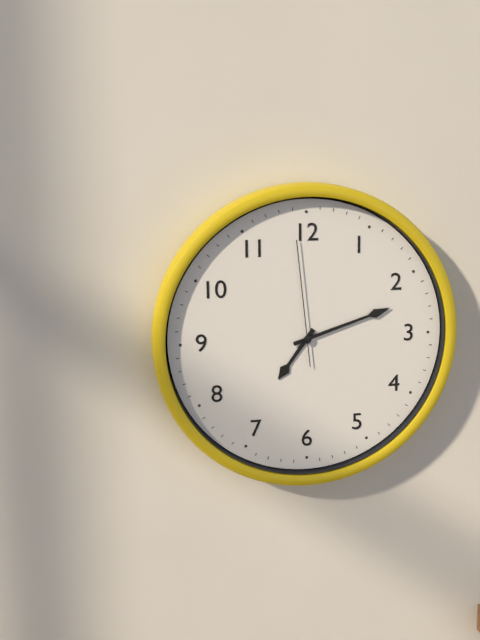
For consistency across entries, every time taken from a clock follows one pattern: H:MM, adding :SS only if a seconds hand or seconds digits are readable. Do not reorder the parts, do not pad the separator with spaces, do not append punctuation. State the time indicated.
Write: 7:12:59
